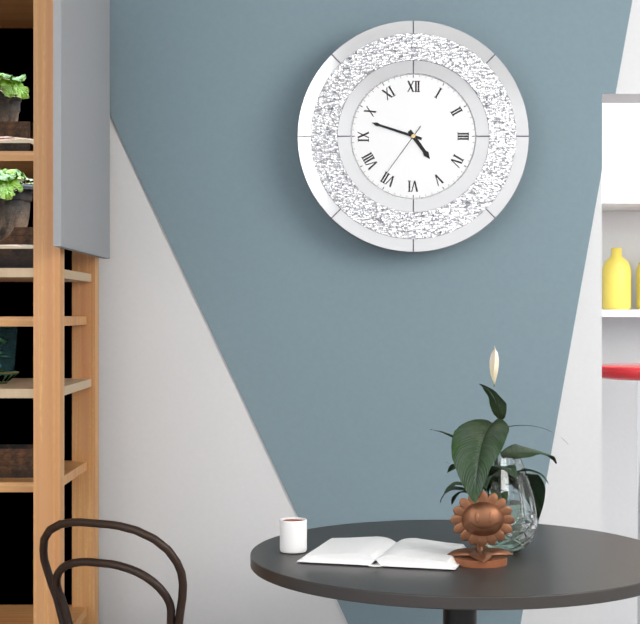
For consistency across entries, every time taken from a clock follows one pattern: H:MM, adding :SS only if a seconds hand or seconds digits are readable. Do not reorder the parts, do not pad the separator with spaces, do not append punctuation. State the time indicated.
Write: 4:48:36
